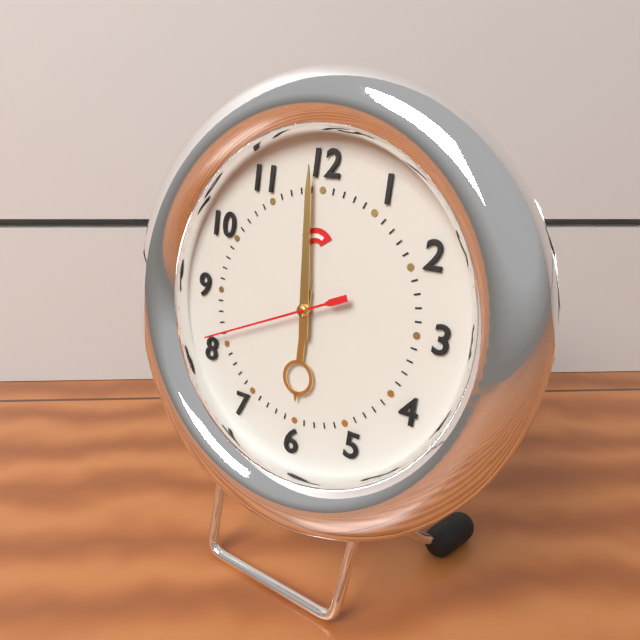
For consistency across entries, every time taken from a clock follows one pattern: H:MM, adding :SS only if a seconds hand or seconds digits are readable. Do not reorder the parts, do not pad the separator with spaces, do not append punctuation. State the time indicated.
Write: 5:59:41
